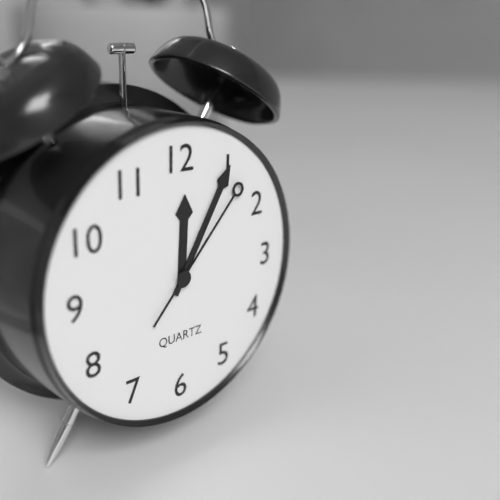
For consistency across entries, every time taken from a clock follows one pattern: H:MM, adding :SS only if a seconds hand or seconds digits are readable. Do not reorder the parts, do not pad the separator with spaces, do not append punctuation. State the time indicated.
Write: 12:05:07
